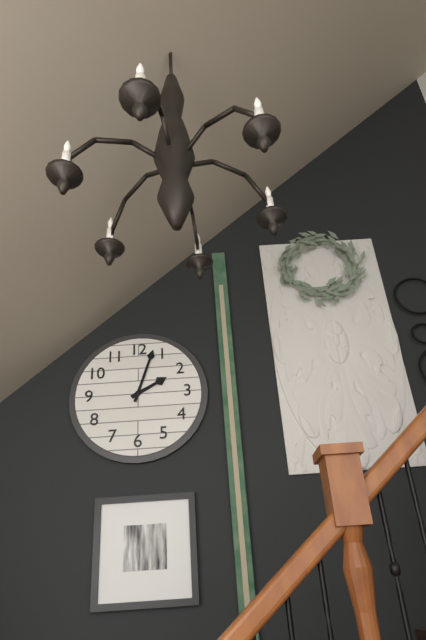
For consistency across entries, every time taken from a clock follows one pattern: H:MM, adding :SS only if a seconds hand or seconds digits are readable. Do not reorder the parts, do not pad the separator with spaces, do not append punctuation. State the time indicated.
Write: 2:03
